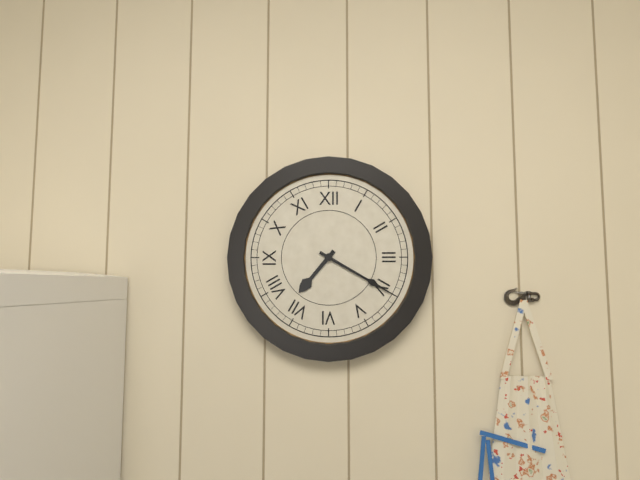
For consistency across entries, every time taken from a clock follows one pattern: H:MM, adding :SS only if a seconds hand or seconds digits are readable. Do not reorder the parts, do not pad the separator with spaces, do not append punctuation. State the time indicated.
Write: 7:20
